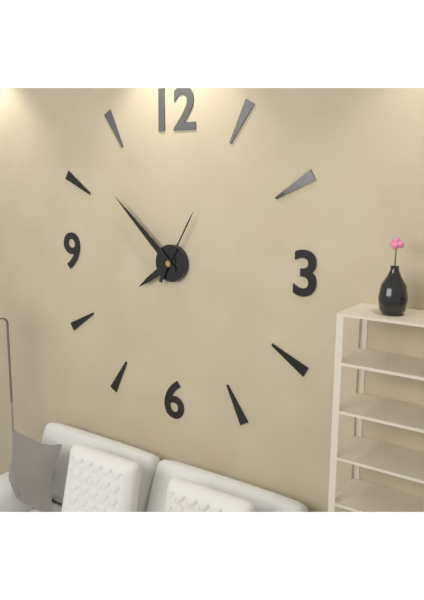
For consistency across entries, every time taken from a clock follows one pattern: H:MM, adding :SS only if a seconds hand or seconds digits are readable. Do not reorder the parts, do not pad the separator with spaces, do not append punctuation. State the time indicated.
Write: 7:52:05
